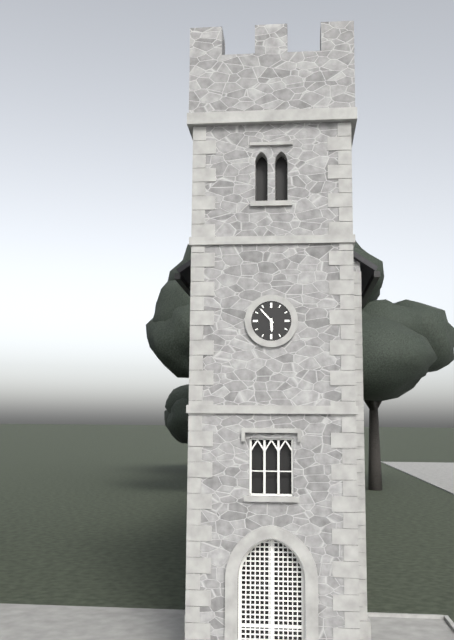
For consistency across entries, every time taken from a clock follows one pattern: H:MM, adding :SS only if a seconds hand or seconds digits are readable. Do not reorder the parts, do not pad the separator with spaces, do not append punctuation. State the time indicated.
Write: 5:53
